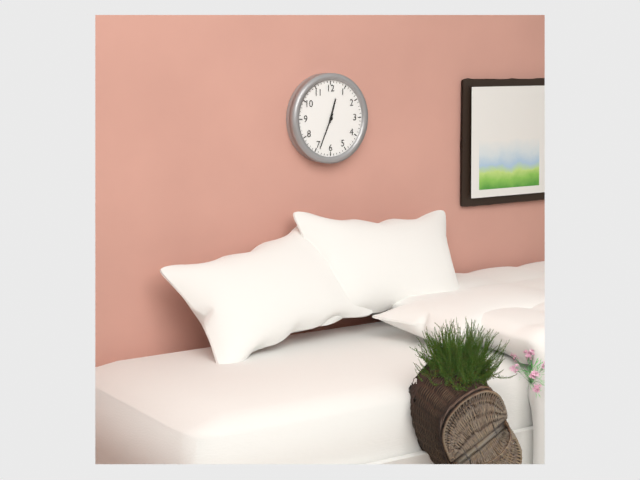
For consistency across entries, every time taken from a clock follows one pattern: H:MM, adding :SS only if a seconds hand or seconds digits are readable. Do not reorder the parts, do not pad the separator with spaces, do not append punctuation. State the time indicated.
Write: 12:34
